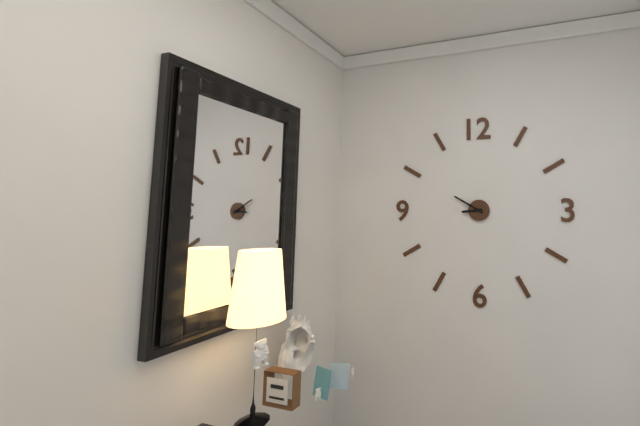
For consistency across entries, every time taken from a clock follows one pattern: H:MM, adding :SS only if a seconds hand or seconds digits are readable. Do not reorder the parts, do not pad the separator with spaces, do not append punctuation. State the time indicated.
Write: 8:50
